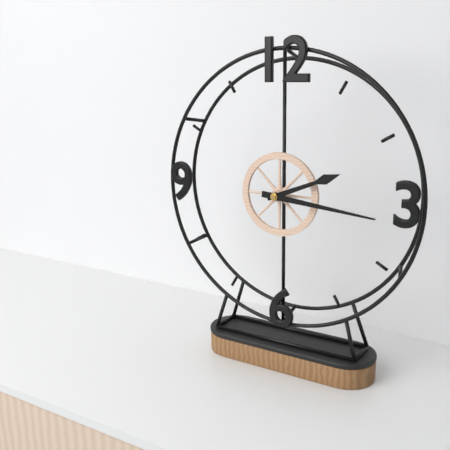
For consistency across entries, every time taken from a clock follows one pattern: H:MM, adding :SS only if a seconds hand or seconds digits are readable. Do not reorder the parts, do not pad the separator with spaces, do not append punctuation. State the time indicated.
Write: 2:16
